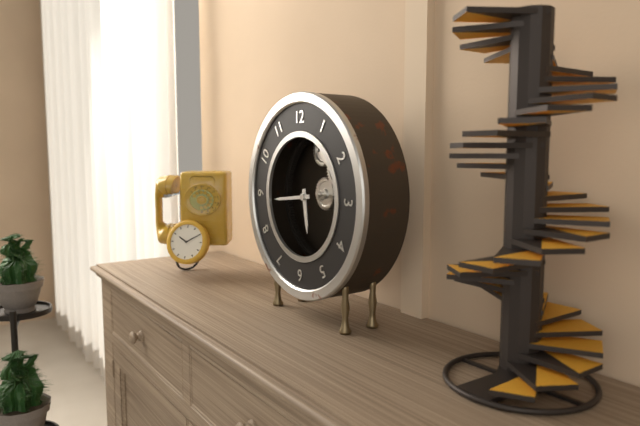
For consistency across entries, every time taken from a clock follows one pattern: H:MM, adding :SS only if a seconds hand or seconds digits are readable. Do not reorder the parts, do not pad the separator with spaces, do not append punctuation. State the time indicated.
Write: 5:44
